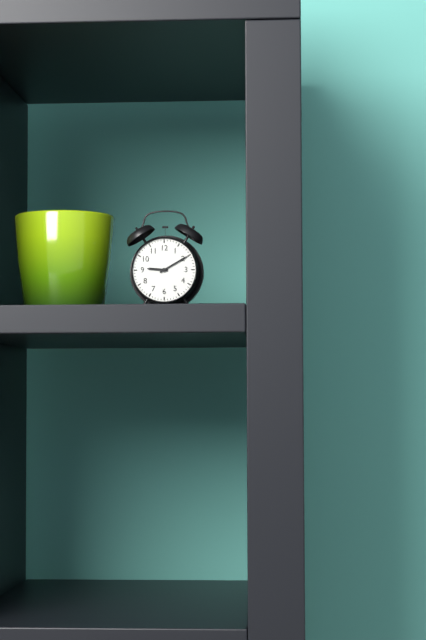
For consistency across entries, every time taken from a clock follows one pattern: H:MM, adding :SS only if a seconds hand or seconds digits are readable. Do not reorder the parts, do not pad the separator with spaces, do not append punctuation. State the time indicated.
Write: 9:10
